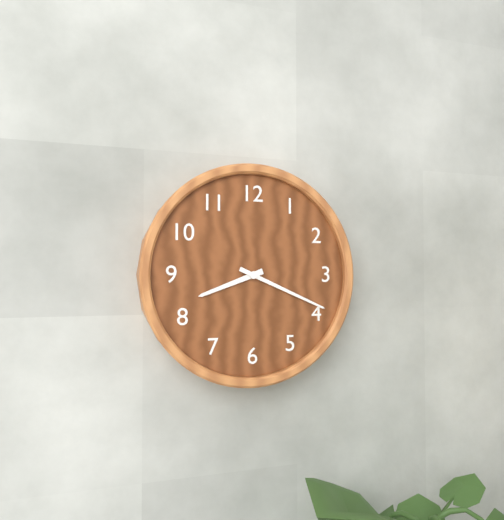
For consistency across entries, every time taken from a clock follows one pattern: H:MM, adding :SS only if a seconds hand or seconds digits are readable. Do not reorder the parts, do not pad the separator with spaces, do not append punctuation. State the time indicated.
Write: 8:19
